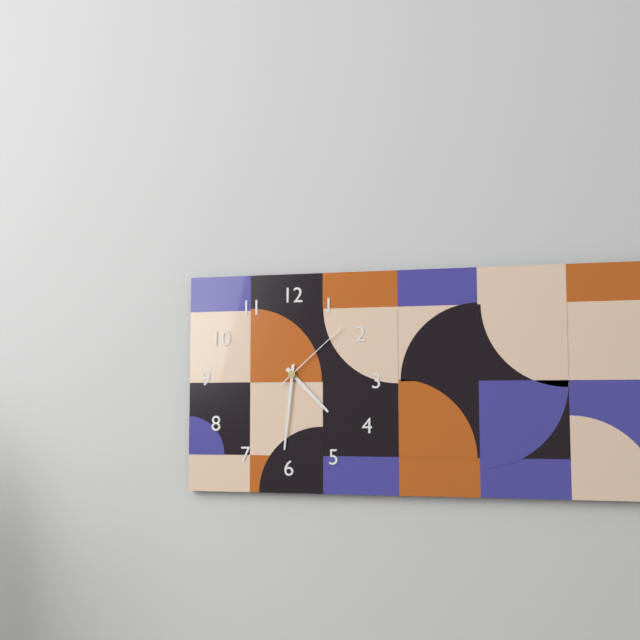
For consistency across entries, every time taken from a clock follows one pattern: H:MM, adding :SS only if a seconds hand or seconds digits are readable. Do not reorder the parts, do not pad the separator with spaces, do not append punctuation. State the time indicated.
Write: 4:31:08
